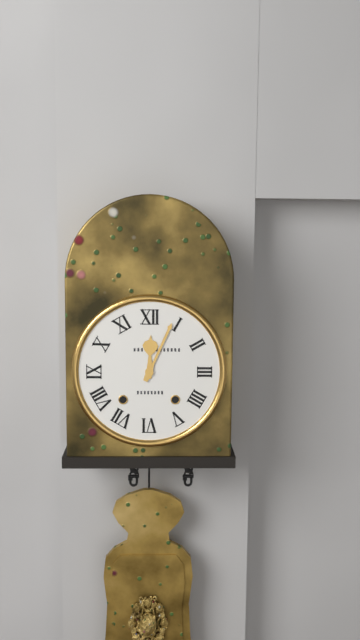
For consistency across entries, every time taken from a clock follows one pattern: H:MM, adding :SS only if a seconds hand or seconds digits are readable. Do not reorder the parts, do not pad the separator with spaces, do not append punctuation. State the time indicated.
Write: 12:04
